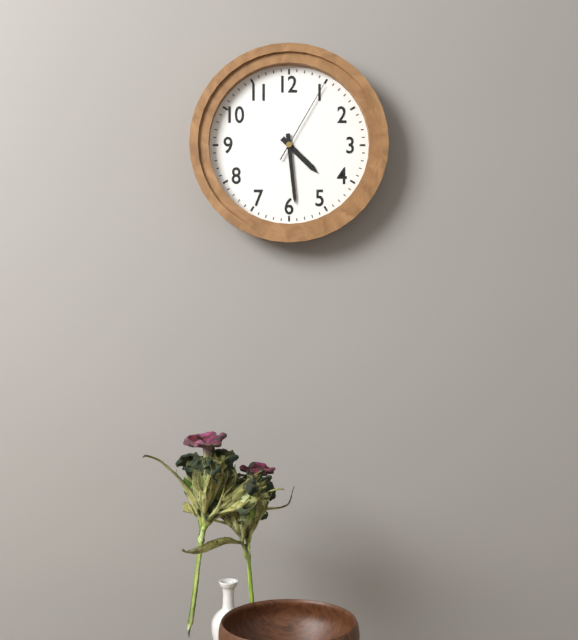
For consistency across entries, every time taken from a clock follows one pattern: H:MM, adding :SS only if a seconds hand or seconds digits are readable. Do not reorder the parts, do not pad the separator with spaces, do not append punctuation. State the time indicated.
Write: 4:29:05
